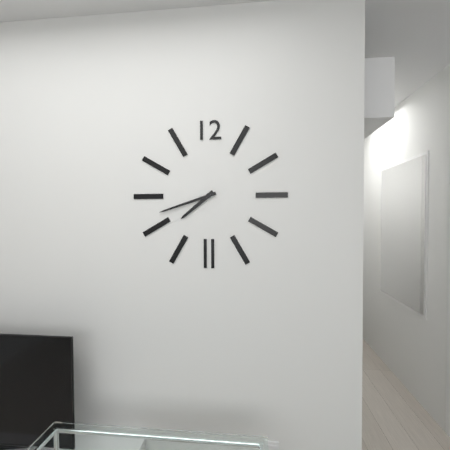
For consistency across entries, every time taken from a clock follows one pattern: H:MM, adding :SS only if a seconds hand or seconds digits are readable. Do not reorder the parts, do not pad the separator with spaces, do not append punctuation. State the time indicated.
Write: 7:42
